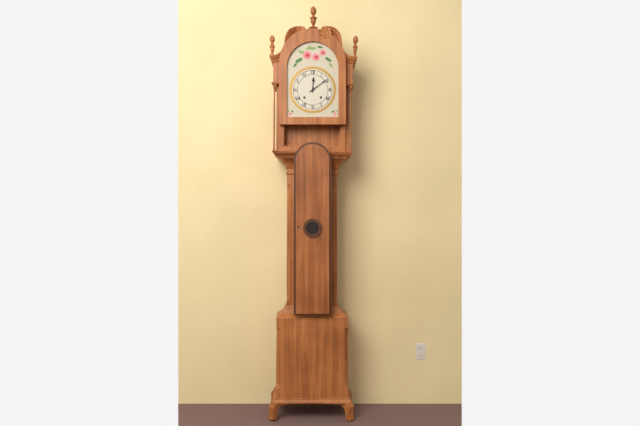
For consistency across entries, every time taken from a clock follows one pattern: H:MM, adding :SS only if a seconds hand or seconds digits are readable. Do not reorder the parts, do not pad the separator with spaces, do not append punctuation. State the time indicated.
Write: 12:09
